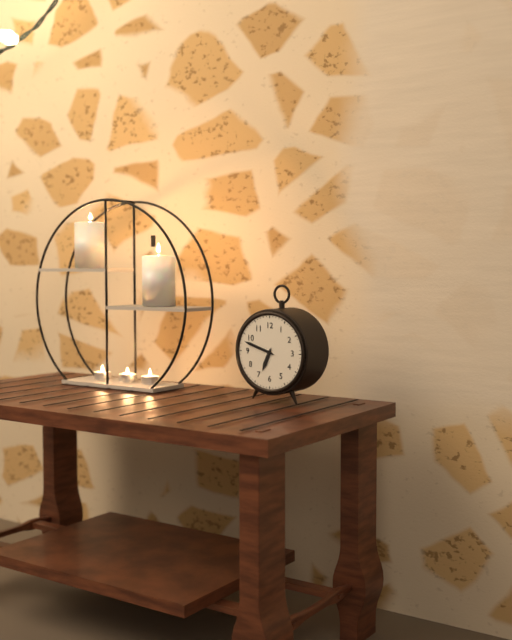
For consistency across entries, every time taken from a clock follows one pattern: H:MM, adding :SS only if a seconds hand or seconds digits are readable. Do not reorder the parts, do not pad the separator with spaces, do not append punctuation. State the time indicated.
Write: 6:48
